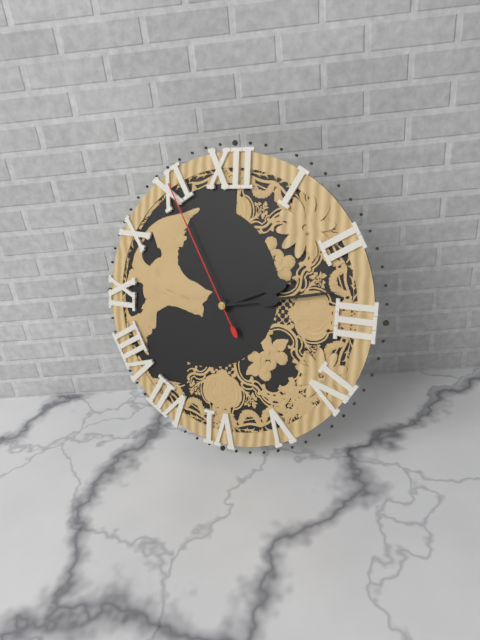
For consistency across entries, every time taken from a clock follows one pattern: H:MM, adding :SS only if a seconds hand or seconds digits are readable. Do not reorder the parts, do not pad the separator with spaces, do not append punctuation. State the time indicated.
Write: 2:13:55
